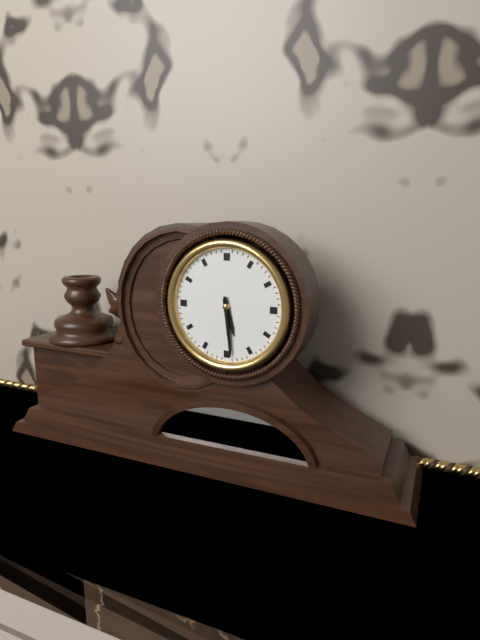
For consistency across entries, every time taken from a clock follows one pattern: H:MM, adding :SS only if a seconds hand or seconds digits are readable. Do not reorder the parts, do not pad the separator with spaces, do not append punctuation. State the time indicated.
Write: 5:29
